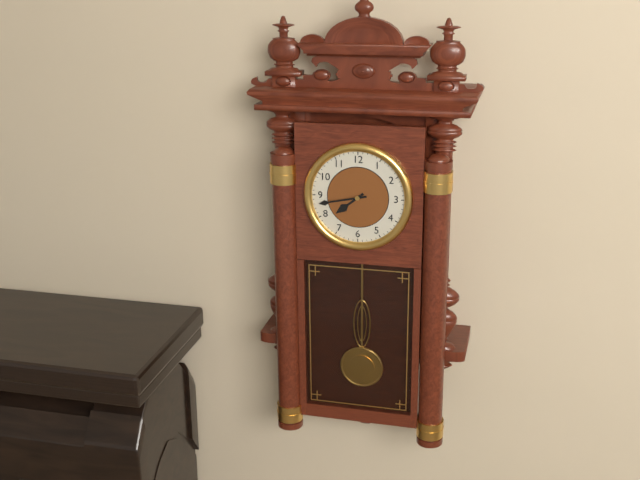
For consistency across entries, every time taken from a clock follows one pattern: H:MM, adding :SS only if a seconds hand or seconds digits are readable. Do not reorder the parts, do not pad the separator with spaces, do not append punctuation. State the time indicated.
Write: 7:43
